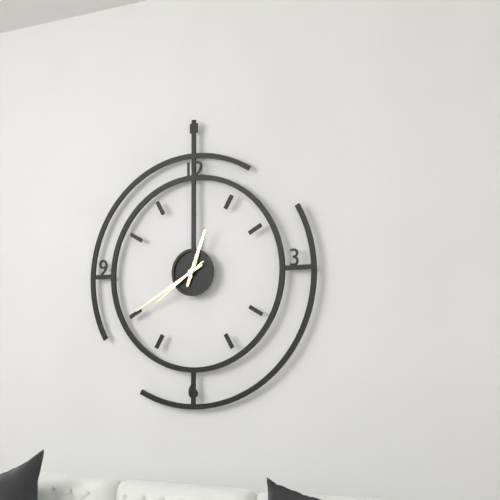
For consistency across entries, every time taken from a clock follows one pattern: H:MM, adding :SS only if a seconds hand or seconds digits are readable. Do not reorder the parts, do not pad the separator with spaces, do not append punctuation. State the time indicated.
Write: 12:40:39
